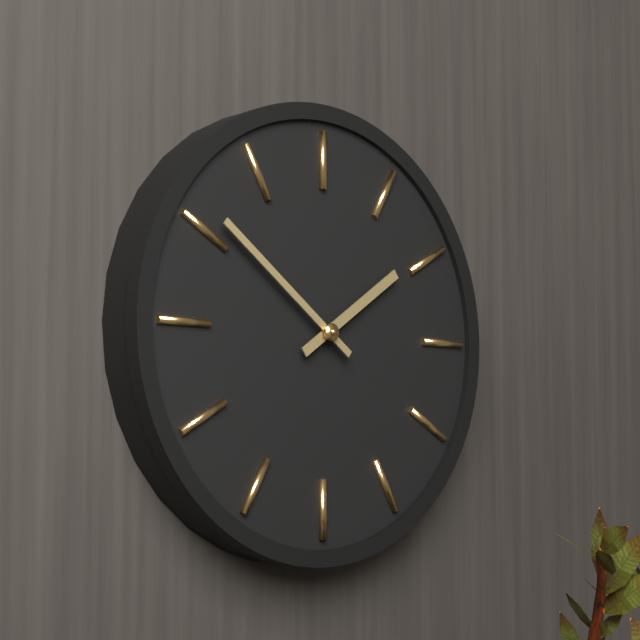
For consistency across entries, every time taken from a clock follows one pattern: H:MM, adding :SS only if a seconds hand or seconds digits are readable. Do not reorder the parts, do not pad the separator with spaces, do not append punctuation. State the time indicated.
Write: 1:51
